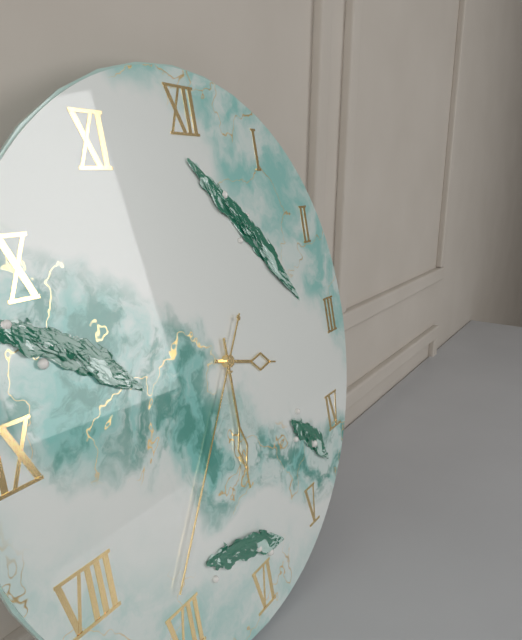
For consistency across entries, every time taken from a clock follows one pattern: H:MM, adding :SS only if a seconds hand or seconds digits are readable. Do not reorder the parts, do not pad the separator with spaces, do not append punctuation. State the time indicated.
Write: 3:30:36
